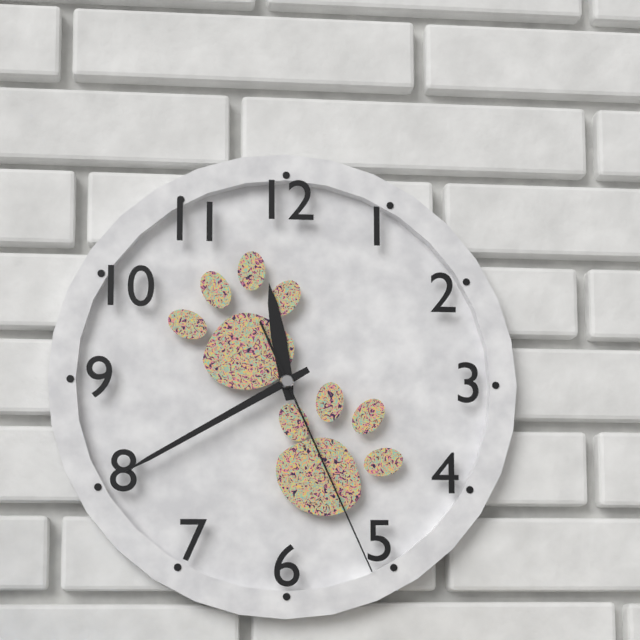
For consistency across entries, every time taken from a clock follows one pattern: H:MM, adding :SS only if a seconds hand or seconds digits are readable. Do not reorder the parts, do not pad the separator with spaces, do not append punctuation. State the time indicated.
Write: 11:40:26
